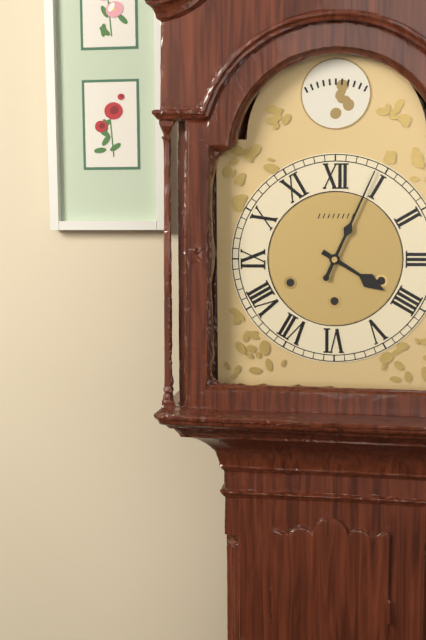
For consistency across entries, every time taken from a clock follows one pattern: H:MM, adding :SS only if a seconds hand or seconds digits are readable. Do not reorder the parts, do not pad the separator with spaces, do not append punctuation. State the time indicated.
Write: 4:04
